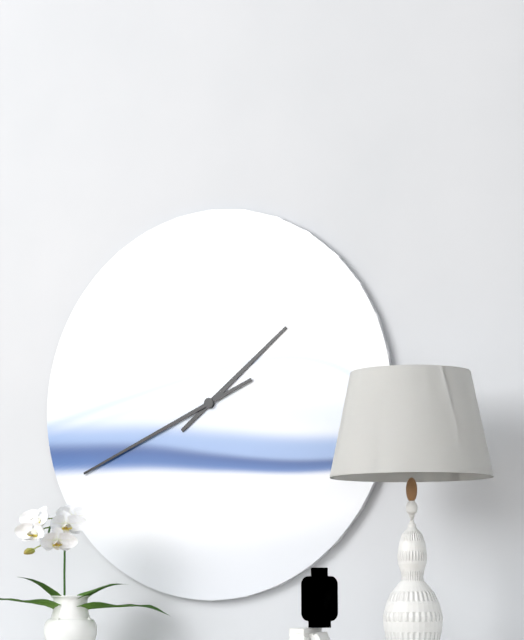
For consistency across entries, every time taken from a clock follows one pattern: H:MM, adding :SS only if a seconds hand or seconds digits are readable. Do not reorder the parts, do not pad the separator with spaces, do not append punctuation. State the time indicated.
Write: 1:41
